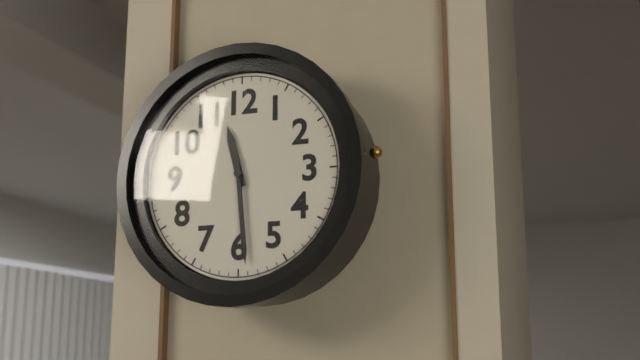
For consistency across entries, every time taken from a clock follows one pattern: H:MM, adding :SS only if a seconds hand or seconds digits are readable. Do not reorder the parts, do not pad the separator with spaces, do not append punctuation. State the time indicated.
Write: 11:29
